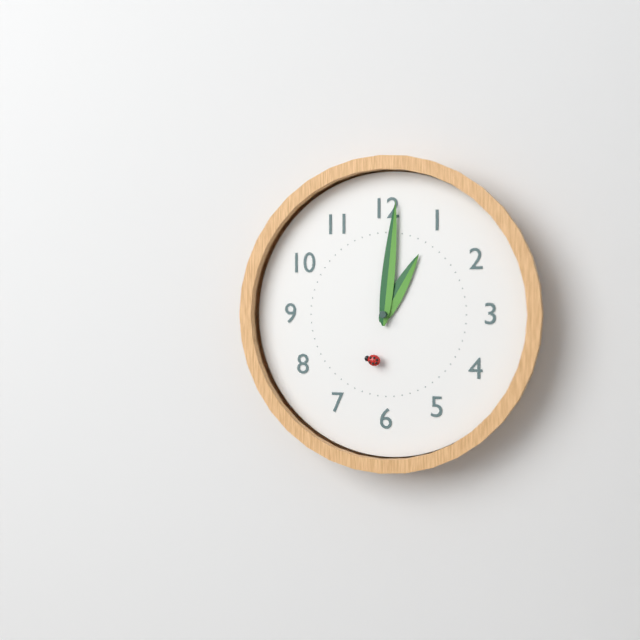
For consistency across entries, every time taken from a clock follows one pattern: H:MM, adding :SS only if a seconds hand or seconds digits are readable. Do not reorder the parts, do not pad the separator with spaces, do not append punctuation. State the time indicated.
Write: 1:01:32
